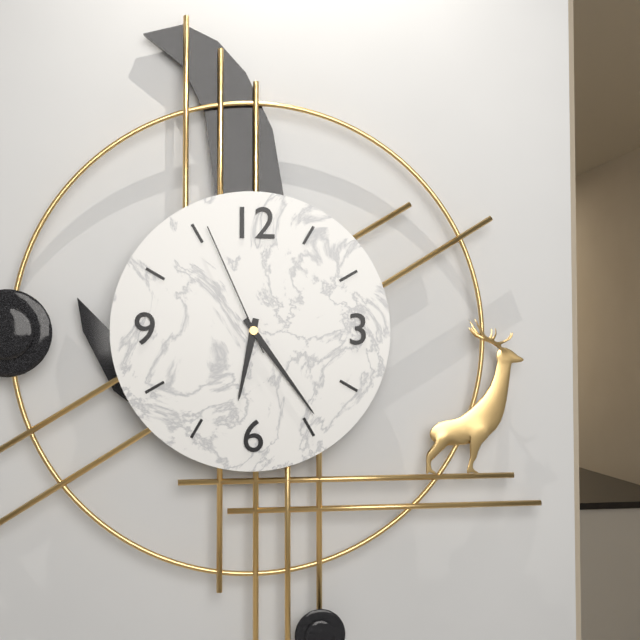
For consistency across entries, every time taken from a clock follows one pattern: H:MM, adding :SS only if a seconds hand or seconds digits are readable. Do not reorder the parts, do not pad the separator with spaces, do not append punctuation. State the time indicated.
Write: 6:24:56
